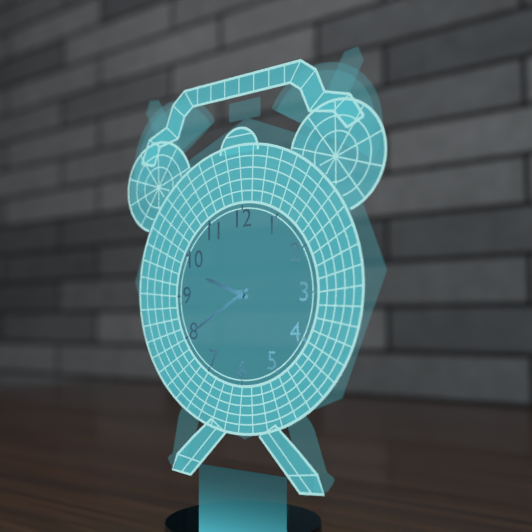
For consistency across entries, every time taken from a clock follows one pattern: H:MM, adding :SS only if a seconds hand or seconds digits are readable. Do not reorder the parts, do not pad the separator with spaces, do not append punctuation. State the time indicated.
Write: 9:40
